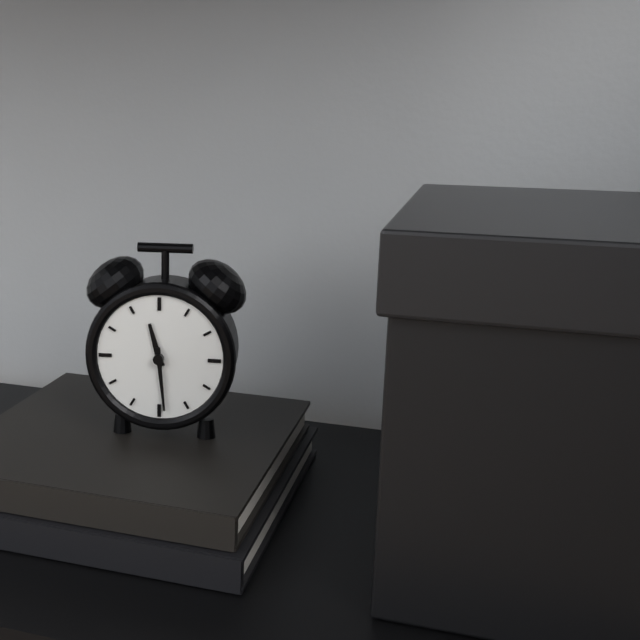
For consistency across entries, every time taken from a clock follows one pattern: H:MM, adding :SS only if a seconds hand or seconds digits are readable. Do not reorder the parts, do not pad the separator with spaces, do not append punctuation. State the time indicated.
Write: 11:29
